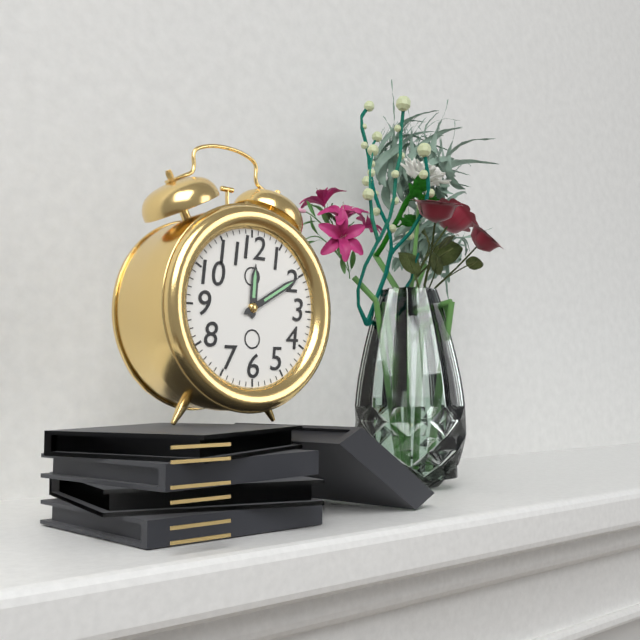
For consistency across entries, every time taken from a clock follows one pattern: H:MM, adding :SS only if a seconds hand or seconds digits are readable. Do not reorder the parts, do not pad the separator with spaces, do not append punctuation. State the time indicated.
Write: 12:10
